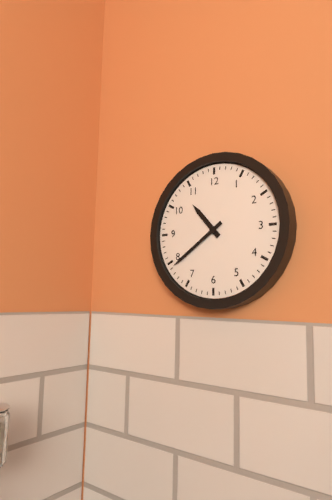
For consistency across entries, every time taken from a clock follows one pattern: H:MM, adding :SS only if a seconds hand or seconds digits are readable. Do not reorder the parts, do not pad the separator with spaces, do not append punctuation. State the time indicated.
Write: 10:39
